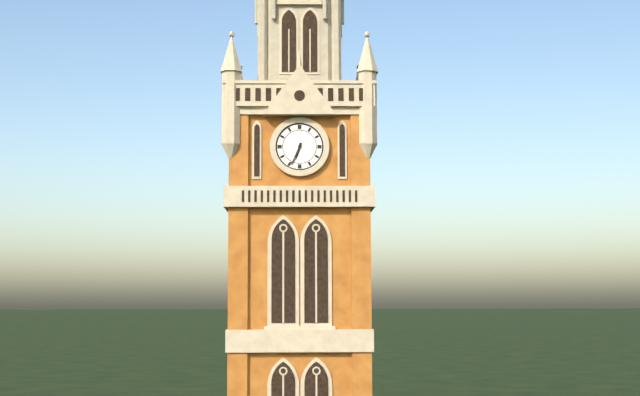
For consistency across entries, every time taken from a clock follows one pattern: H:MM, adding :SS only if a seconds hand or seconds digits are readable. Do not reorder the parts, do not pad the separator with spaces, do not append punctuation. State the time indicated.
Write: 6:34
